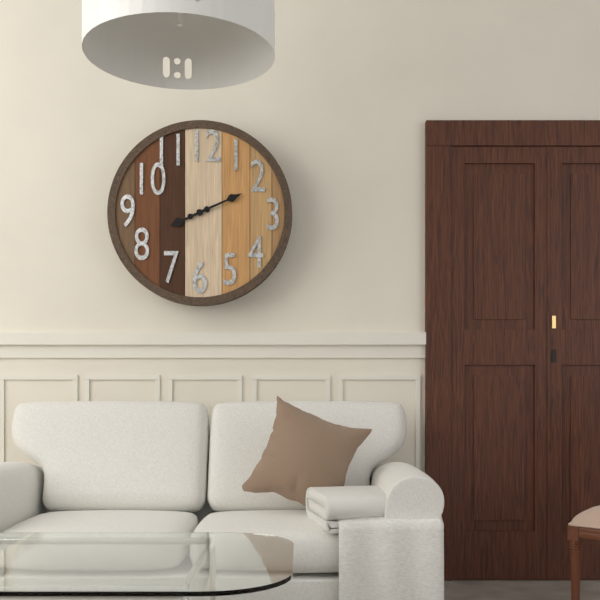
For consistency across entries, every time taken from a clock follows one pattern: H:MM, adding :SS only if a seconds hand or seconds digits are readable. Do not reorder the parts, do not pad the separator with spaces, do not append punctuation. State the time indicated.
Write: 8:11
